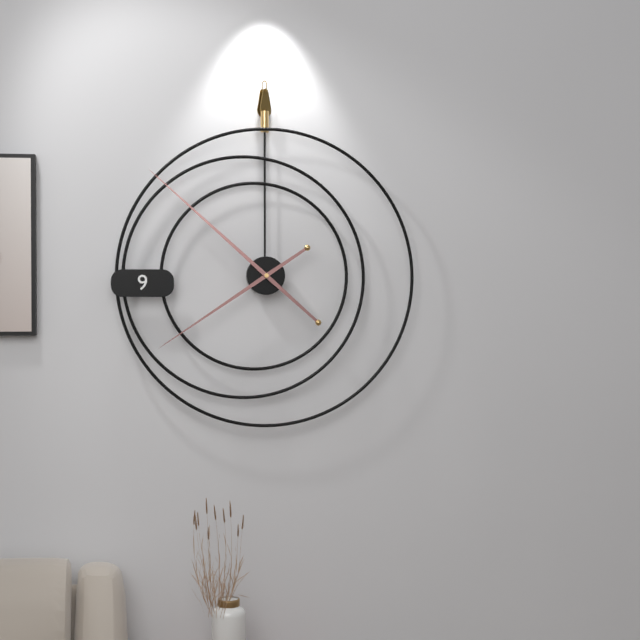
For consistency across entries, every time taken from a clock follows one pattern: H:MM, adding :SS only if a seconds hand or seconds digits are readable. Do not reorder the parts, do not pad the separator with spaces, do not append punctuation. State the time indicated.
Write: 7:52
